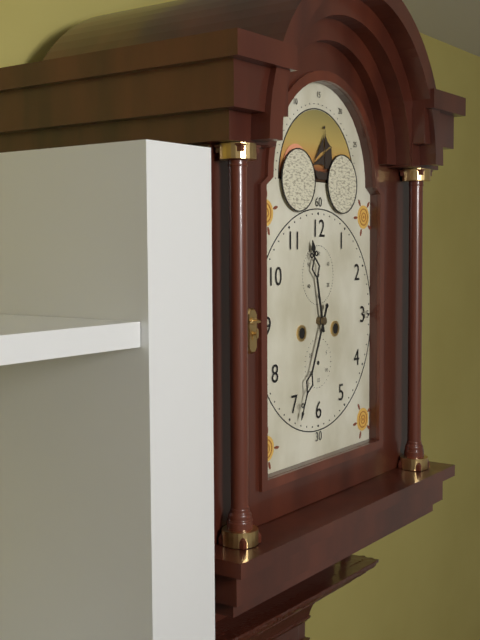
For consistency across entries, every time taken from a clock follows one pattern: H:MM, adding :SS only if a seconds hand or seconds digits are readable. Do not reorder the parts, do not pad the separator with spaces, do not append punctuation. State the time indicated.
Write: 11:34
